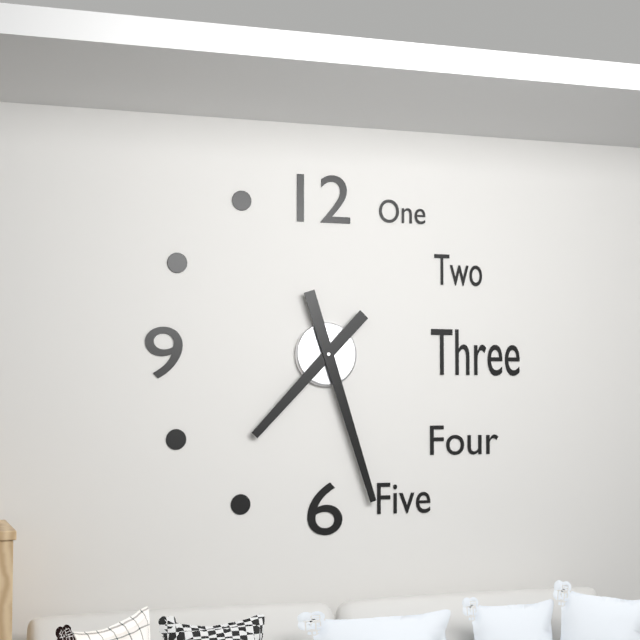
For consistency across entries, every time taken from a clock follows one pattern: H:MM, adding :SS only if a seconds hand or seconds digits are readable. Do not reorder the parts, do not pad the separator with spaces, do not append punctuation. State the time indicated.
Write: 7:27
